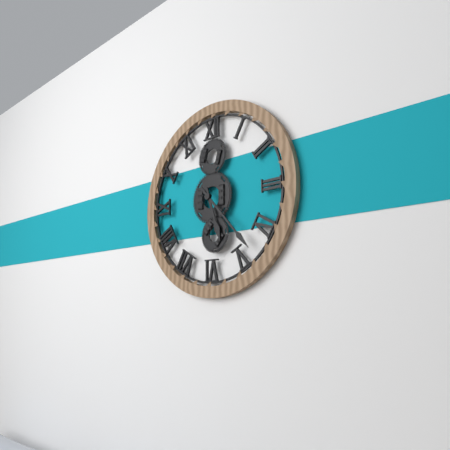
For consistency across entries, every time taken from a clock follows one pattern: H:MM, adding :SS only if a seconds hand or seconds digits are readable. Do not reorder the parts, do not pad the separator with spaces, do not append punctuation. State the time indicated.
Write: 5:23
